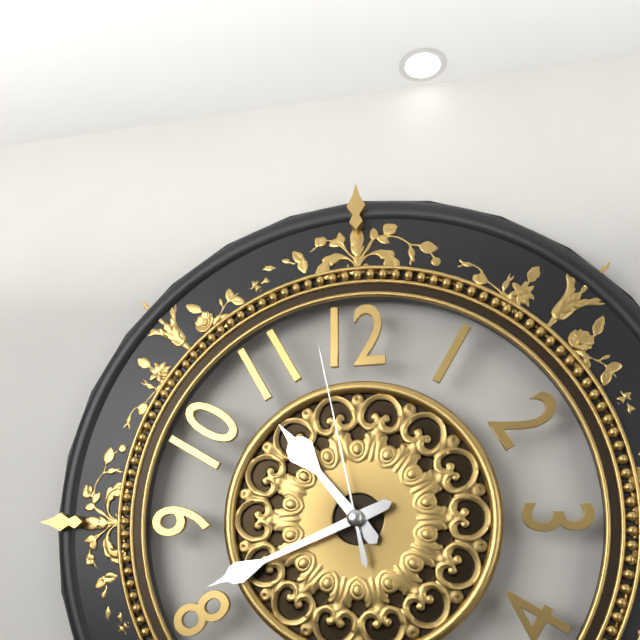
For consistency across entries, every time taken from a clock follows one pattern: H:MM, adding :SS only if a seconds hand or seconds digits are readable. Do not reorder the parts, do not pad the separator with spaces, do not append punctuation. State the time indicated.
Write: 10:41:58
